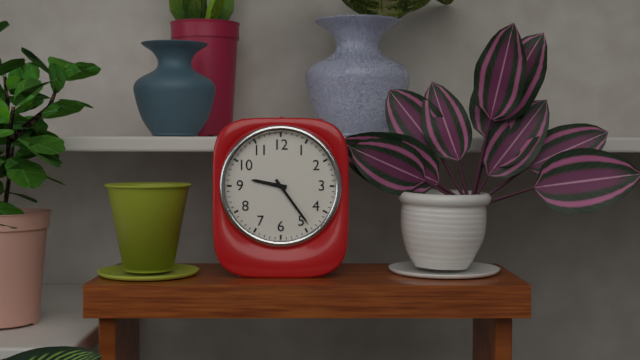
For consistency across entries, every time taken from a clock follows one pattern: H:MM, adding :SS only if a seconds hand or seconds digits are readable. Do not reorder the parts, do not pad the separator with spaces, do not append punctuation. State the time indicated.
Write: 9:24
